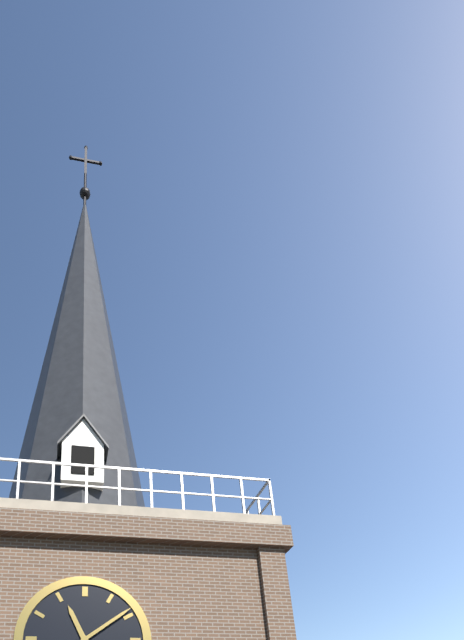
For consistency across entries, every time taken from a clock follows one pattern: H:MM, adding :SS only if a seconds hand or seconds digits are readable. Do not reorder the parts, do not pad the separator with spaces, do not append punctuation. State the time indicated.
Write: 11:09
